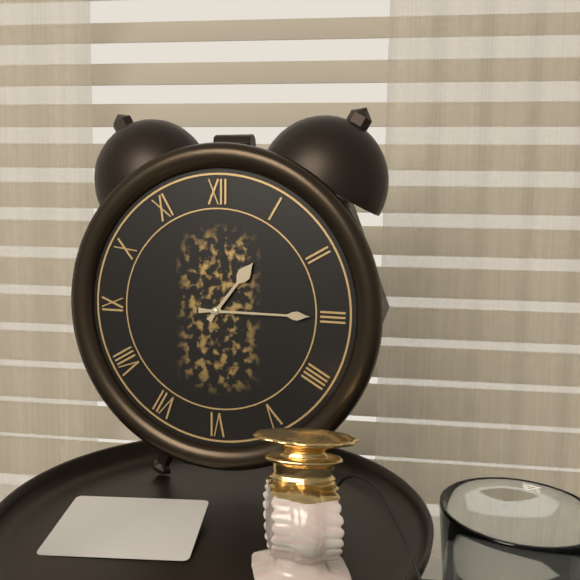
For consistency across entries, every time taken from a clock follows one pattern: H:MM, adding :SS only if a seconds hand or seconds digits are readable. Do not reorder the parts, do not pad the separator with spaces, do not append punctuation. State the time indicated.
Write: 1:15
